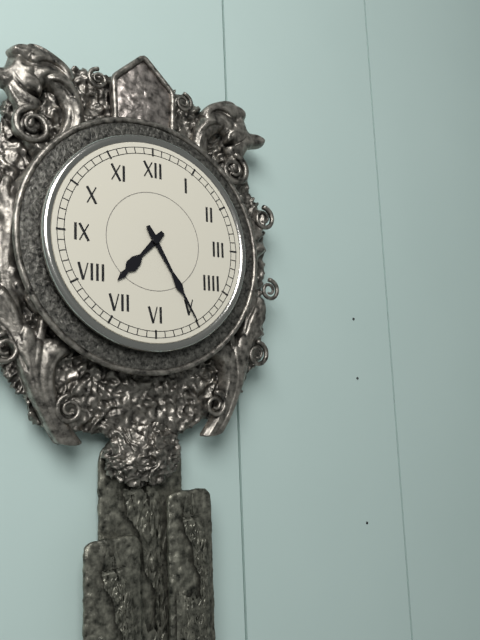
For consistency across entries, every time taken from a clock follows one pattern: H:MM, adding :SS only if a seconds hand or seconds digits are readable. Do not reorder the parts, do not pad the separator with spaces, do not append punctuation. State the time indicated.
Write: 7:25
